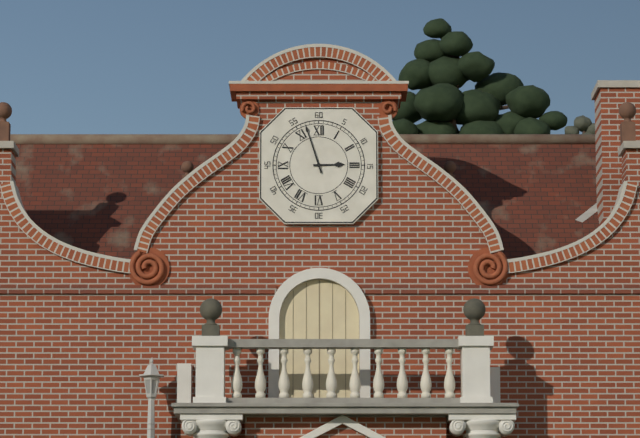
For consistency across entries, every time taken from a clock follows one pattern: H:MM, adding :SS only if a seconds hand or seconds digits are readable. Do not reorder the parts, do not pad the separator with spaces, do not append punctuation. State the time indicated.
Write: 2:57
